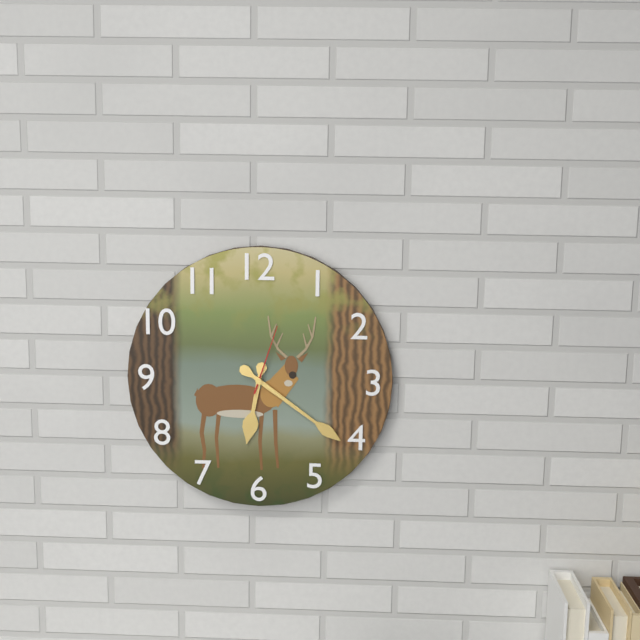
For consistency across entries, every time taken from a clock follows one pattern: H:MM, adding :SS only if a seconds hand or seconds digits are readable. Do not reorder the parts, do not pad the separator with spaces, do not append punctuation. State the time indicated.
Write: 6:21:03
